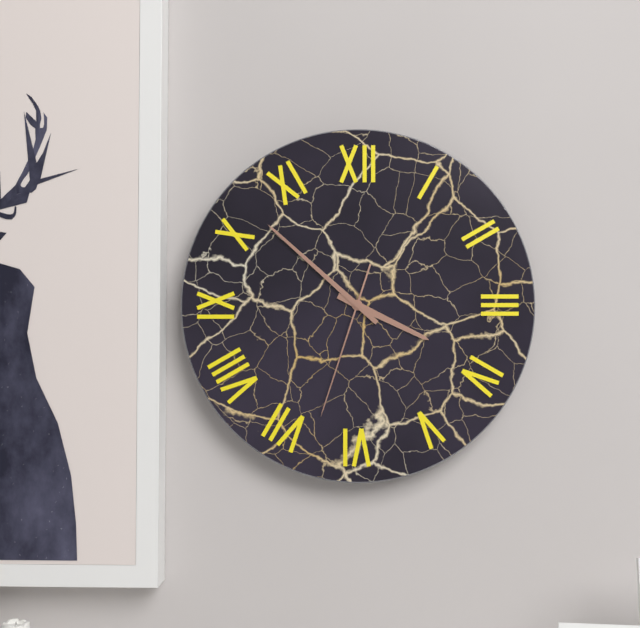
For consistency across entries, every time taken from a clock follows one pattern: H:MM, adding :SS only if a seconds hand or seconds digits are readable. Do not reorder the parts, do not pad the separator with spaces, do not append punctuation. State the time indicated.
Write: 3:52:33
